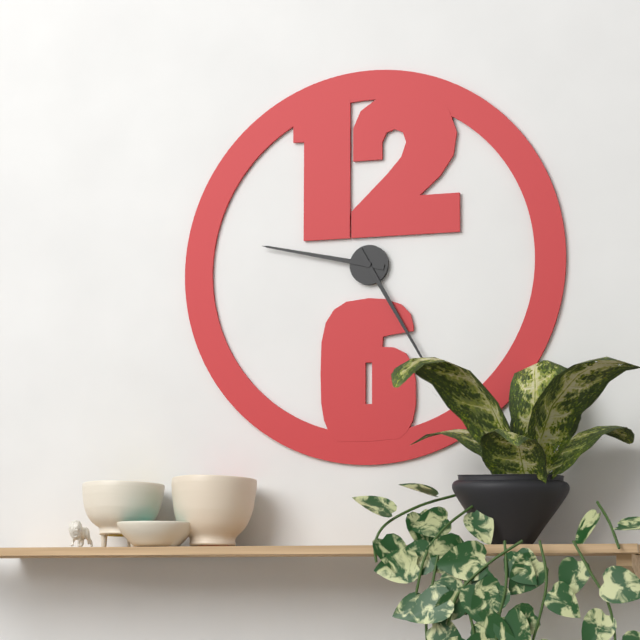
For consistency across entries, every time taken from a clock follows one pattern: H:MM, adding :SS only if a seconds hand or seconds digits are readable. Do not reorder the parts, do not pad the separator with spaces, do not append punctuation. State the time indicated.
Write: 9:25
